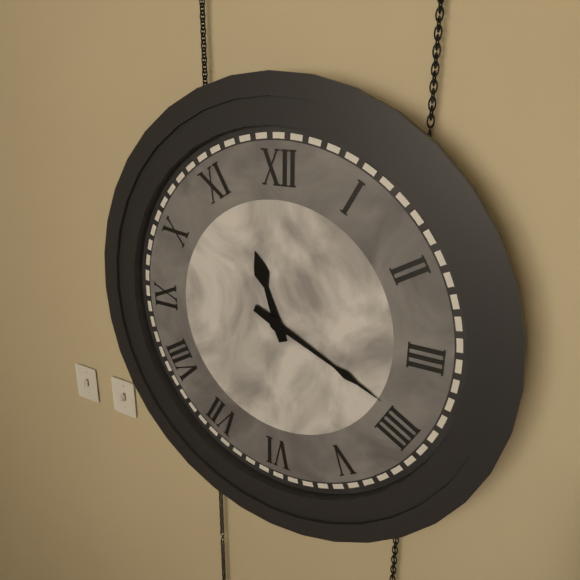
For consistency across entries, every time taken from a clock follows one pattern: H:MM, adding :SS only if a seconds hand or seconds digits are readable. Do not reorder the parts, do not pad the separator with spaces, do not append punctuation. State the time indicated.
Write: 11:19
